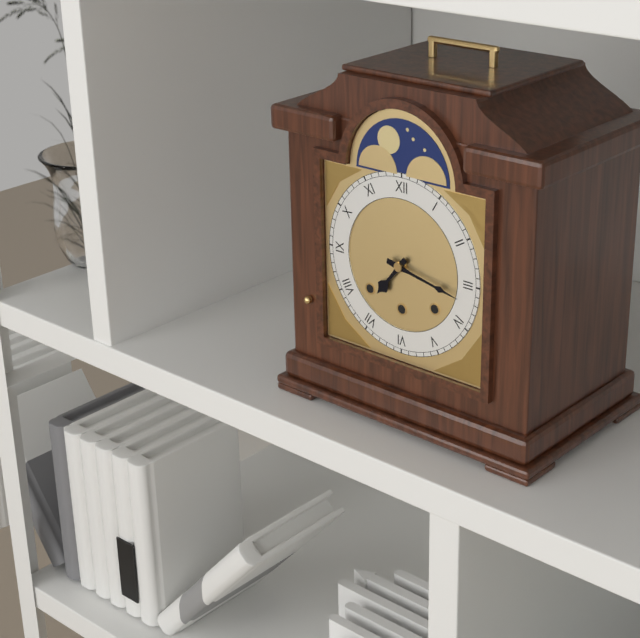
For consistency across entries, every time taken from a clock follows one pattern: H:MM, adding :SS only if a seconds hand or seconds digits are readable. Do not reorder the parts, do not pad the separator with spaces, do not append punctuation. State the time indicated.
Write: 7:17
